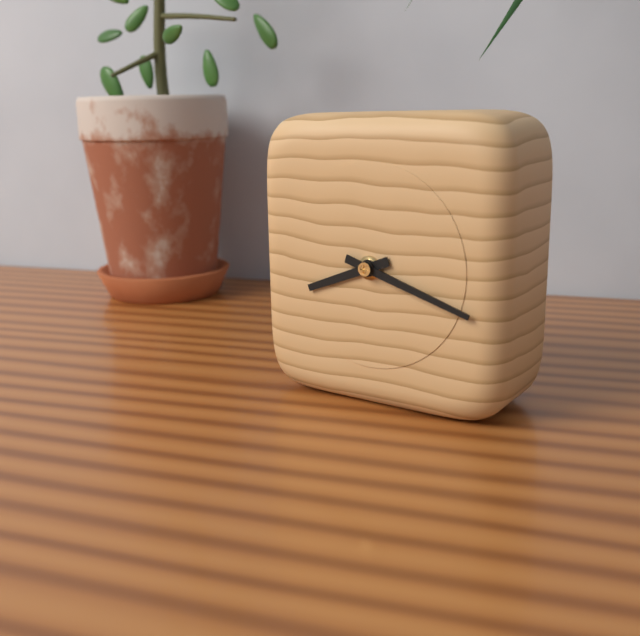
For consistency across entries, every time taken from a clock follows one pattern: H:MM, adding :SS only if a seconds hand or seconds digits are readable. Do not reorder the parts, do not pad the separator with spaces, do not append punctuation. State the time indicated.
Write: 8:18
